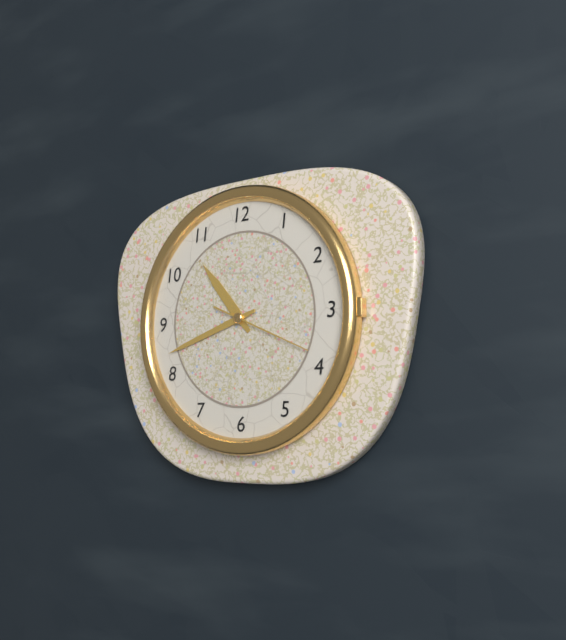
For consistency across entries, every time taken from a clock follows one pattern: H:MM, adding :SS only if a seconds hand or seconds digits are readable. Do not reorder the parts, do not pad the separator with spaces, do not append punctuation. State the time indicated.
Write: 10:42:19
